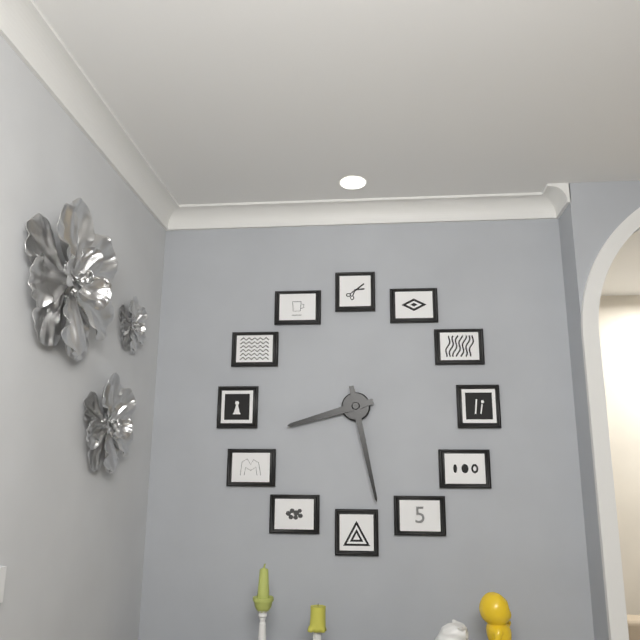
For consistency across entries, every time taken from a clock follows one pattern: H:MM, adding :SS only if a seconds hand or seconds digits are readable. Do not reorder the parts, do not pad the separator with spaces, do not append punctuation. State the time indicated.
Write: 8:28
